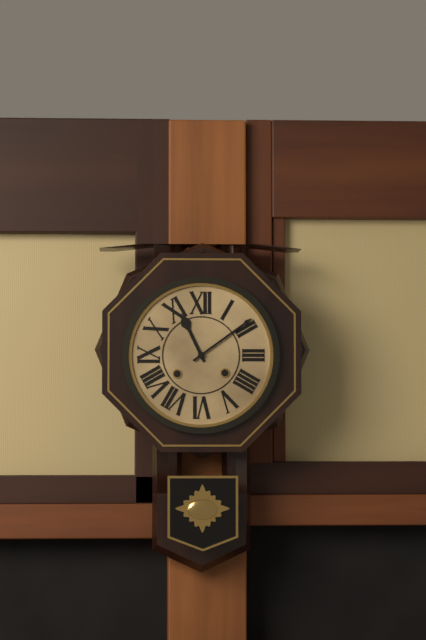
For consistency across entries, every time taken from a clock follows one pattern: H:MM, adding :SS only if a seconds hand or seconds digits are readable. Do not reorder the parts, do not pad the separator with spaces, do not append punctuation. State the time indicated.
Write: 11:09
